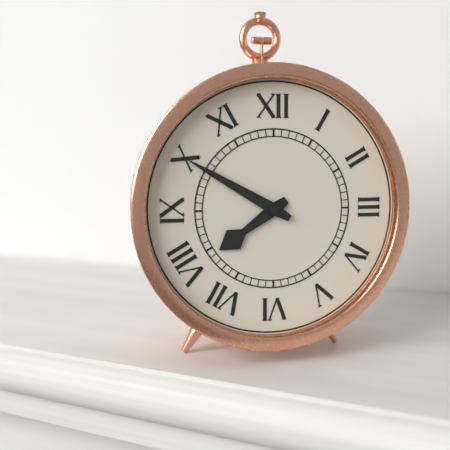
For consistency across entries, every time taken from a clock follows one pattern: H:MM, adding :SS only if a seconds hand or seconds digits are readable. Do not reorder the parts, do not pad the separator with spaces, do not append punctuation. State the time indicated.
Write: 7:50
